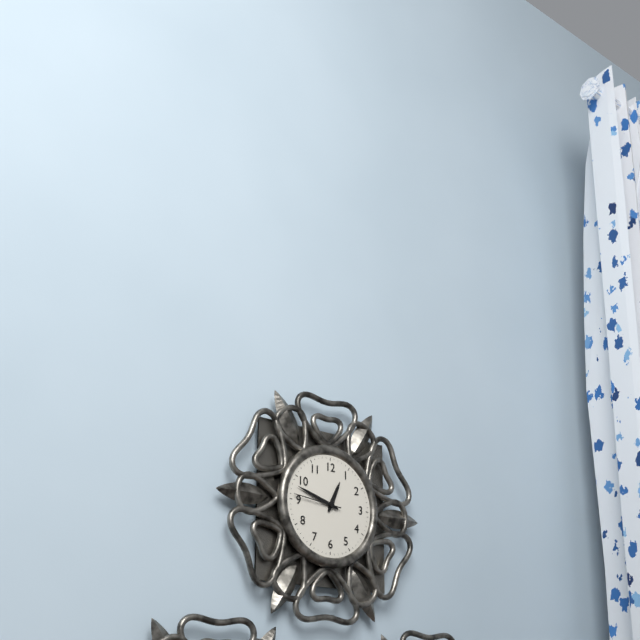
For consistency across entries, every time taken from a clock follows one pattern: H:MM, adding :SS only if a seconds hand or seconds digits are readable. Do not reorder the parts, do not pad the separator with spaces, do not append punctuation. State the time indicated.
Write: 12:48
